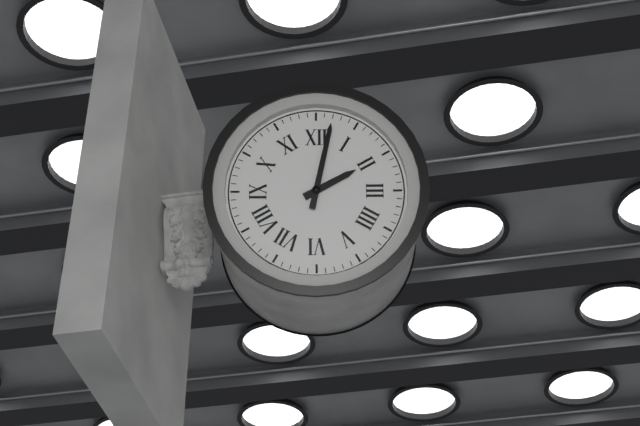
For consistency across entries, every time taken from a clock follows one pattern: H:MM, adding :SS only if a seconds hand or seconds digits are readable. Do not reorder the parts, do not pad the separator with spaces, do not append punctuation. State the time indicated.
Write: 2:02
